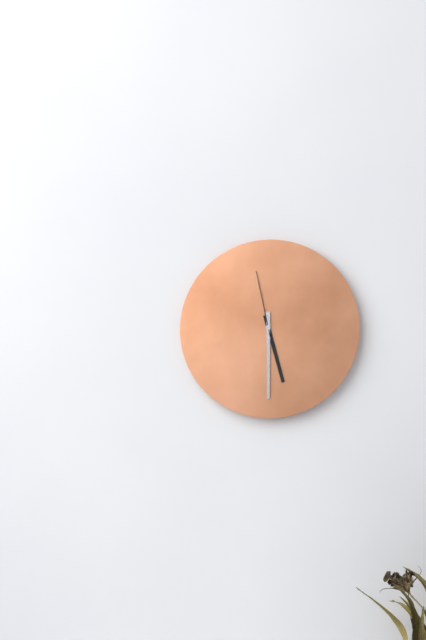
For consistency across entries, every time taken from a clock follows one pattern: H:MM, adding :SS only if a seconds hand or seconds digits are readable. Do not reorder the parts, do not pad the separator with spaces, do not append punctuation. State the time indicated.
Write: 5:30:58
